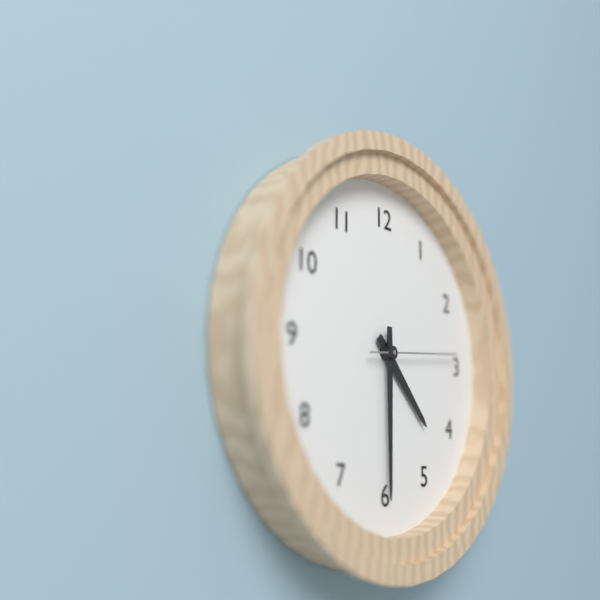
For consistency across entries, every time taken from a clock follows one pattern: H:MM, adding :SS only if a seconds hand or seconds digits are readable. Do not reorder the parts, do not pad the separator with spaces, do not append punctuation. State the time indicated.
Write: 4:30:14
